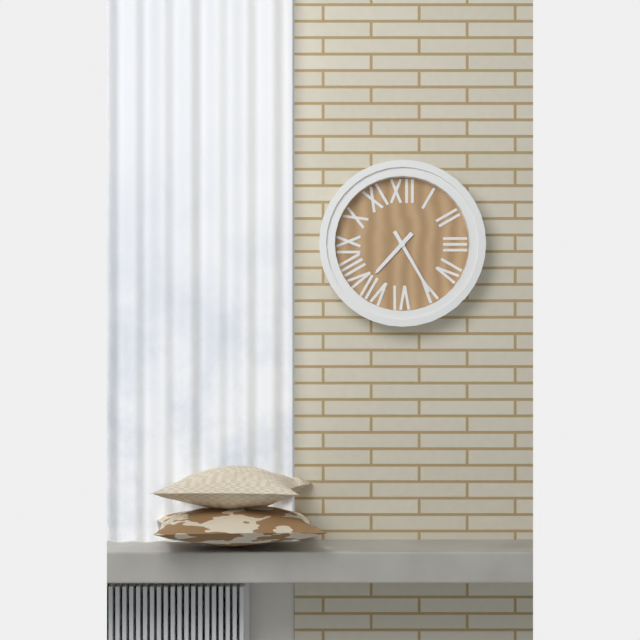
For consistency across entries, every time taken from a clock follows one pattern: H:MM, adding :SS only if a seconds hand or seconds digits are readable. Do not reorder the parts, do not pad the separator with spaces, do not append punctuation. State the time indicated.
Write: 7:25
